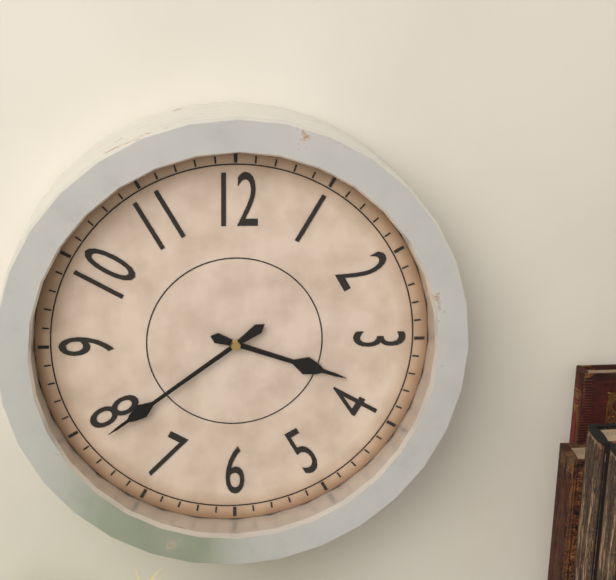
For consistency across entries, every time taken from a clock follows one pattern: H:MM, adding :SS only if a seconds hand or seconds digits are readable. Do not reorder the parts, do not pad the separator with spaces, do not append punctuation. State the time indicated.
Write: 3:39
